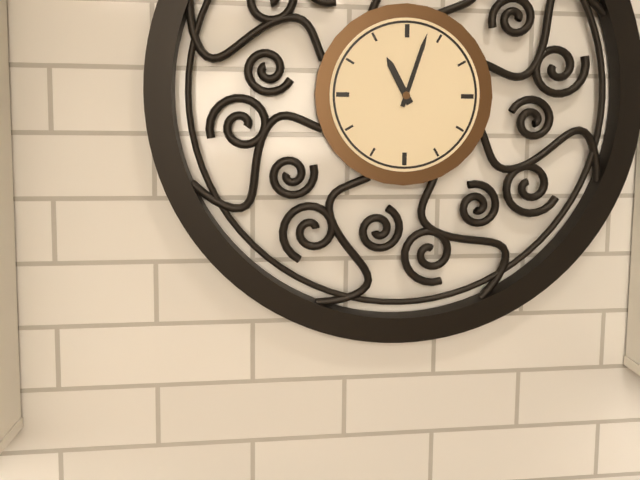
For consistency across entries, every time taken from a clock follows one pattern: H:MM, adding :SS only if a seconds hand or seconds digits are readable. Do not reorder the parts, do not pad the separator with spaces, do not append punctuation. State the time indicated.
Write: 11:03
